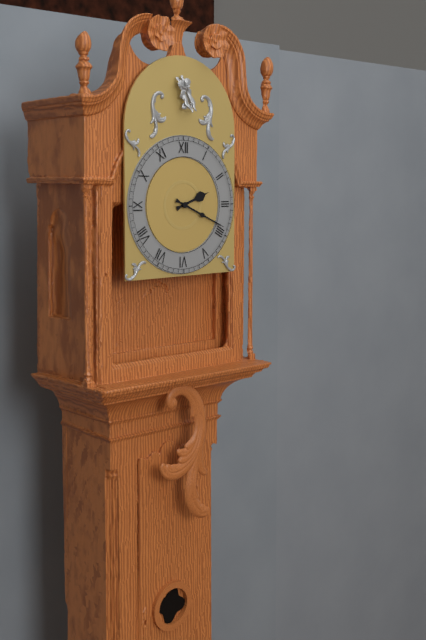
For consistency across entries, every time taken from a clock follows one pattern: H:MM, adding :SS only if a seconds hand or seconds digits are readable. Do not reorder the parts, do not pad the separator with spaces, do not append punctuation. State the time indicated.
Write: 2:19
